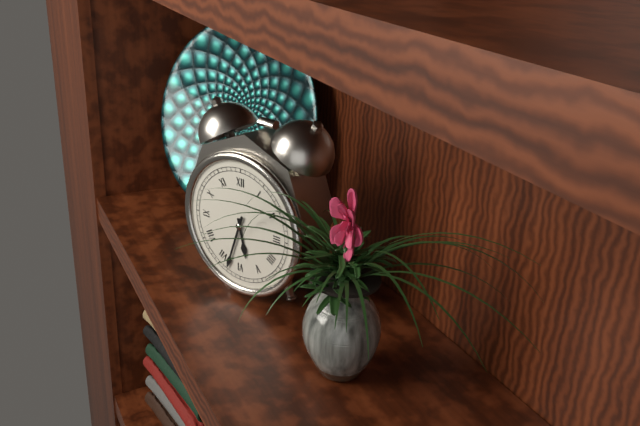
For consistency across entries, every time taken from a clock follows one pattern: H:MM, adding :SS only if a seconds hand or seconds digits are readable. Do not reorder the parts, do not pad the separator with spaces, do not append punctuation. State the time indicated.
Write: 5:33
